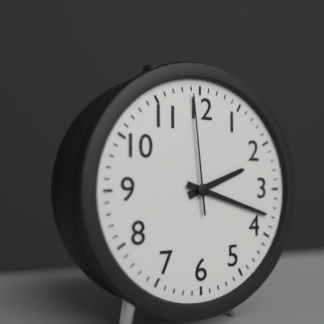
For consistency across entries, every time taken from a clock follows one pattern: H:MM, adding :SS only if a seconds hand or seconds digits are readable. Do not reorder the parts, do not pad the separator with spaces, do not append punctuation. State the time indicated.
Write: 2:18:59
